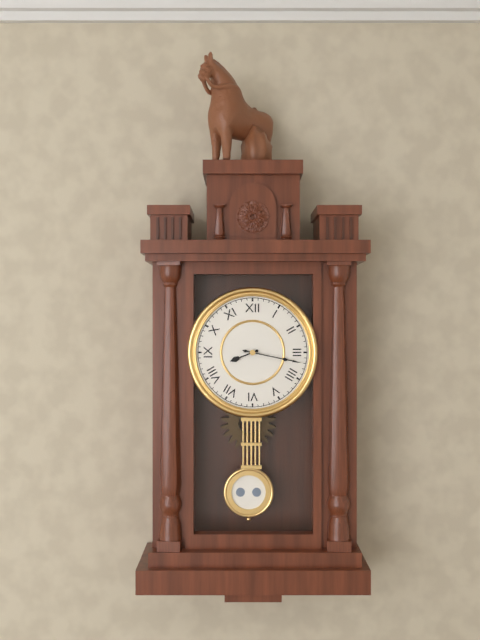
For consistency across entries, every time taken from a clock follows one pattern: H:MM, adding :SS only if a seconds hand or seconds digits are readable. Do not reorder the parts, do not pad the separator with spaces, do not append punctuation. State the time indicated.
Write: 8:17
